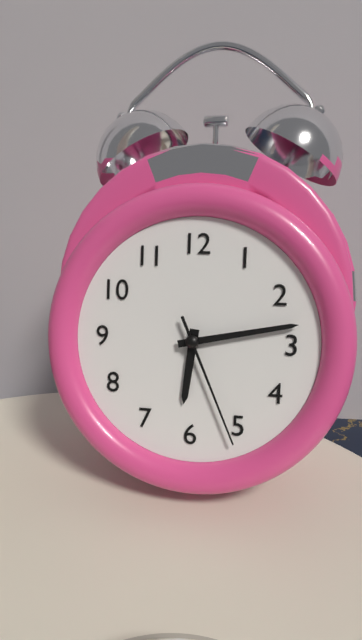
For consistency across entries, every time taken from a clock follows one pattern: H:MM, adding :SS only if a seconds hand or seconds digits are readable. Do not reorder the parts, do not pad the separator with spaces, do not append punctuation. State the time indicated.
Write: 6:13:26
